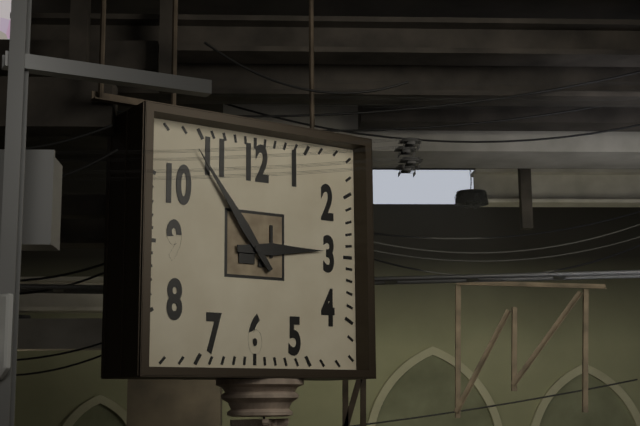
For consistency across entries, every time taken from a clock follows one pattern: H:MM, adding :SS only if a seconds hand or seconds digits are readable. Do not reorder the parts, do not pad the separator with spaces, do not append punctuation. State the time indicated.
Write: 2:54
